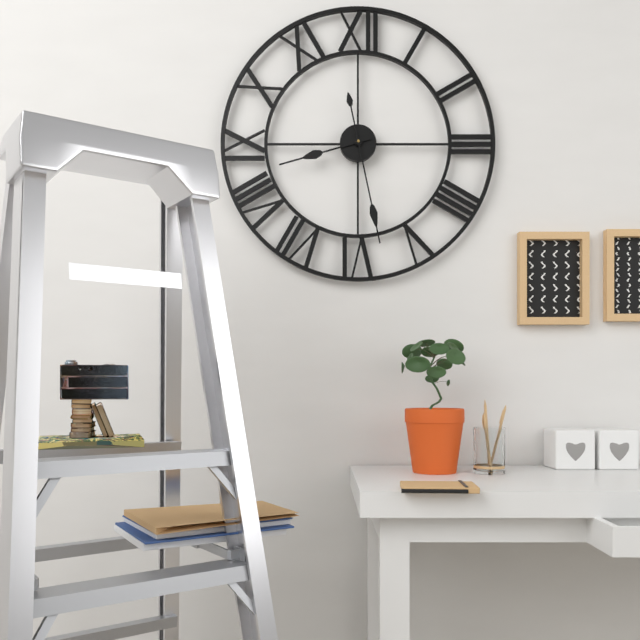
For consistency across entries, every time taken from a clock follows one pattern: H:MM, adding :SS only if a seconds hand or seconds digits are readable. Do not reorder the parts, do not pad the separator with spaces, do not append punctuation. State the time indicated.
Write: 8:28
